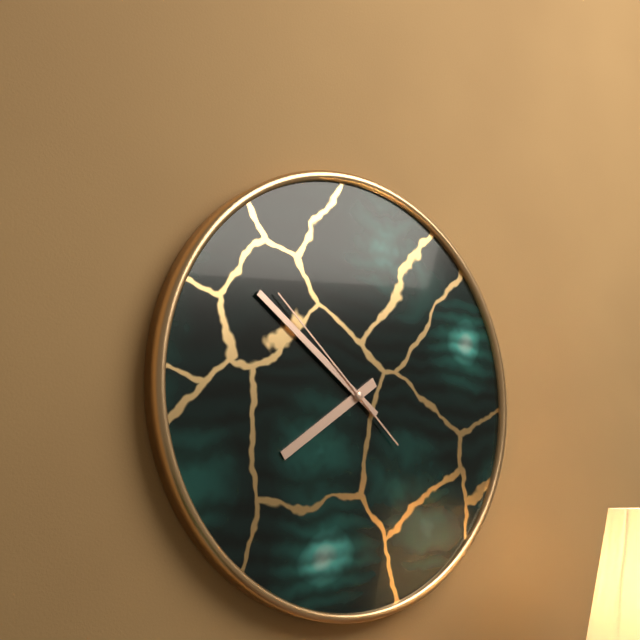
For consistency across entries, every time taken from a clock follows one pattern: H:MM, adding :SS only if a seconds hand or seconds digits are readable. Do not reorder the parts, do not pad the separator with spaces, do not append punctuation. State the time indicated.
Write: 7:51:52
